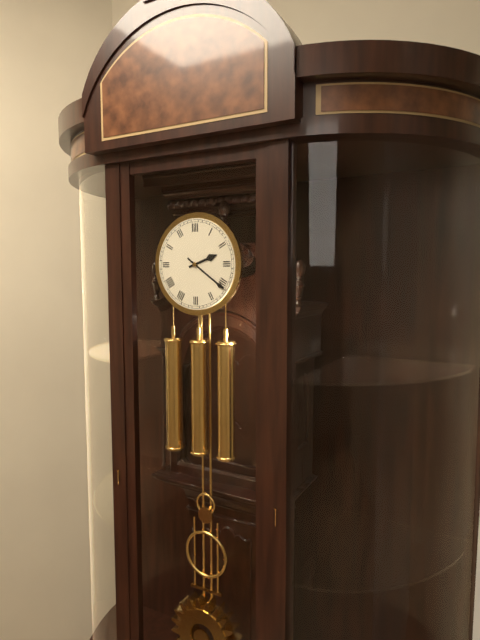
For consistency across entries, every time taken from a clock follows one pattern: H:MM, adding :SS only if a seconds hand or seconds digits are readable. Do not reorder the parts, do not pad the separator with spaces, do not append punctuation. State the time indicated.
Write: 2:21
